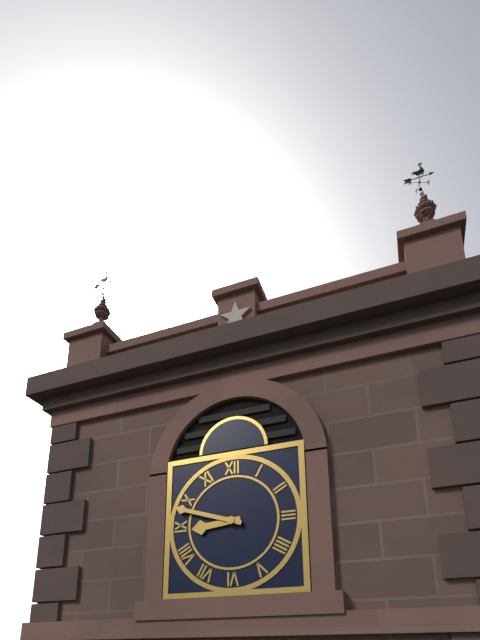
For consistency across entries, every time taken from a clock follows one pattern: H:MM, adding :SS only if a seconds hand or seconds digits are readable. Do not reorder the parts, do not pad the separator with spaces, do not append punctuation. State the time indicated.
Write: 8:48
